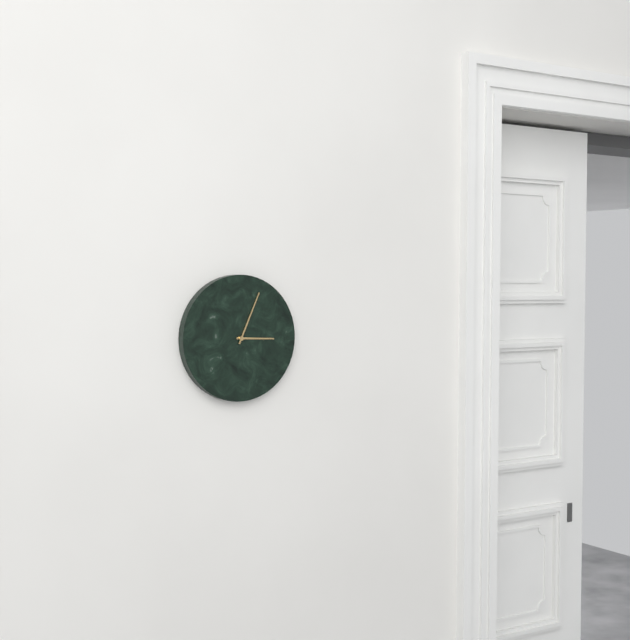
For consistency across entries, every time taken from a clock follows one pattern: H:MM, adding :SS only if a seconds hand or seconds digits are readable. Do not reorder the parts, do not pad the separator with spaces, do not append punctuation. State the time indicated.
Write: 3:04
